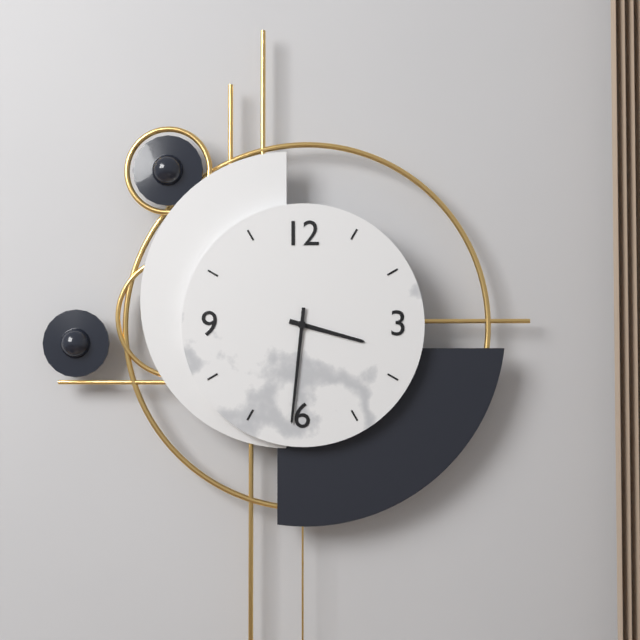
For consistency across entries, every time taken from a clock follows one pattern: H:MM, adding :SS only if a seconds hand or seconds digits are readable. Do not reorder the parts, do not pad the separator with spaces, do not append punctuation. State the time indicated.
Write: 3:31
